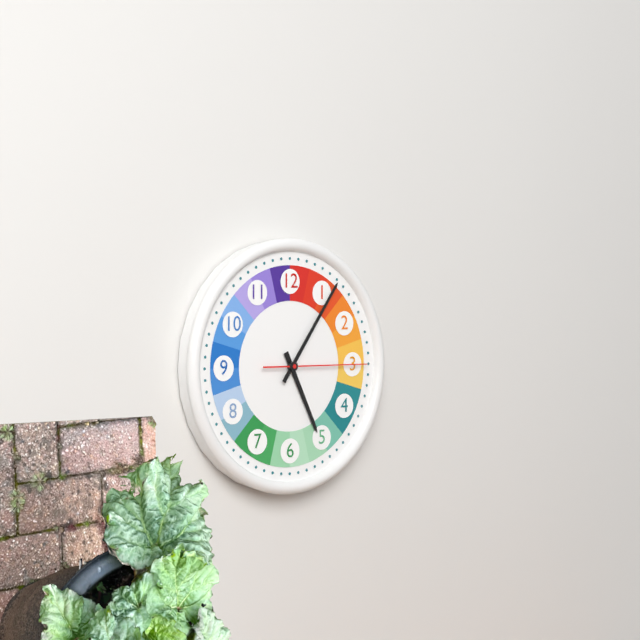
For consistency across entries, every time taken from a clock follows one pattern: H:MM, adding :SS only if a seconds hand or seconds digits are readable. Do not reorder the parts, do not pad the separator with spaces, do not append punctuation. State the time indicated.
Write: 5:06:15
